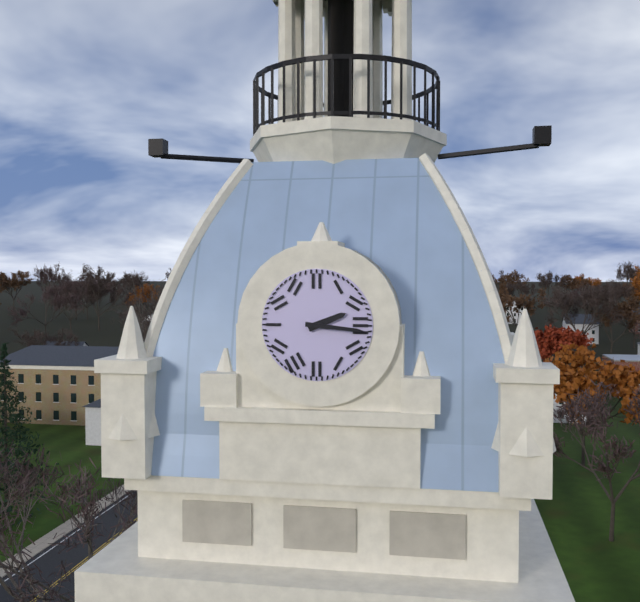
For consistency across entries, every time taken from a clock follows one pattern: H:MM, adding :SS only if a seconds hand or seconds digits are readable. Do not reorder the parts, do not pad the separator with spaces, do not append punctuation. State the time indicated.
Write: 2:16
